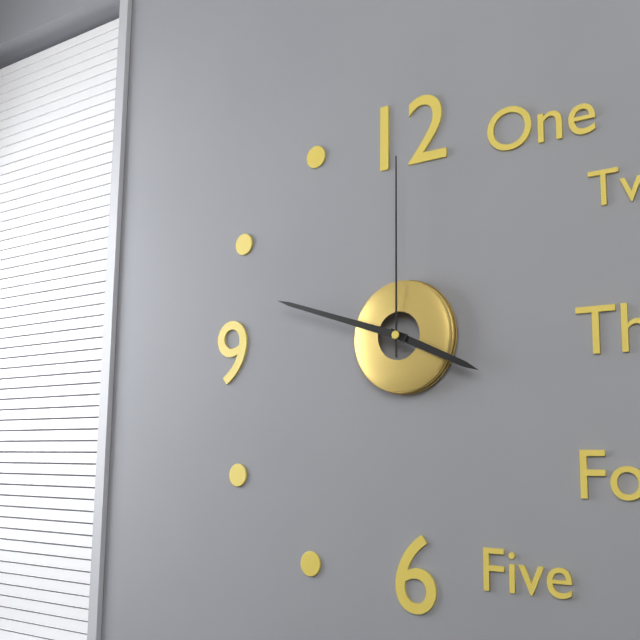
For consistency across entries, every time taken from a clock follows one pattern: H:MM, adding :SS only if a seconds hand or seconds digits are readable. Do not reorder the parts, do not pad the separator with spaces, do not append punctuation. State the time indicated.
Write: 3:48:00
